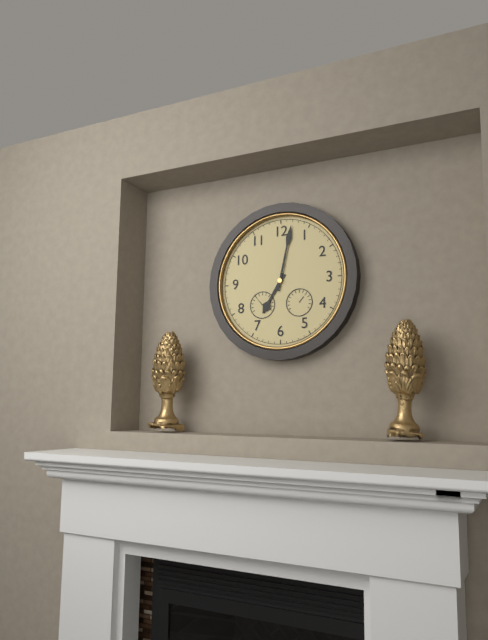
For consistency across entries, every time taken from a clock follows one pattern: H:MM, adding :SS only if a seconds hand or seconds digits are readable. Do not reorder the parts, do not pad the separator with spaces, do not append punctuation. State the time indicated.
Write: 7:02
